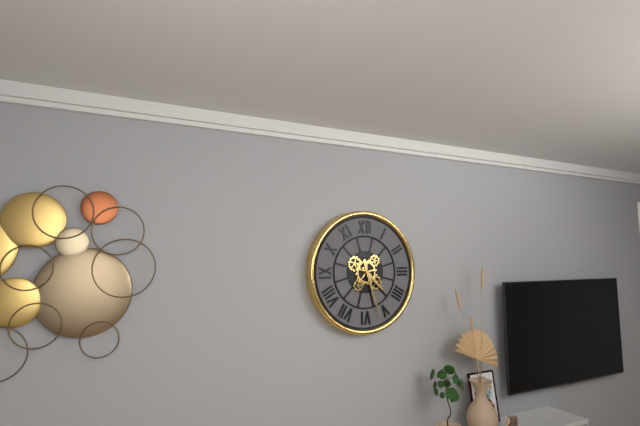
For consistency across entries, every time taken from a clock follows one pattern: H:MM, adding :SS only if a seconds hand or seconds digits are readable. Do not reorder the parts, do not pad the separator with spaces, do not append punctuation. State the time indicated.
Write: 4:27
